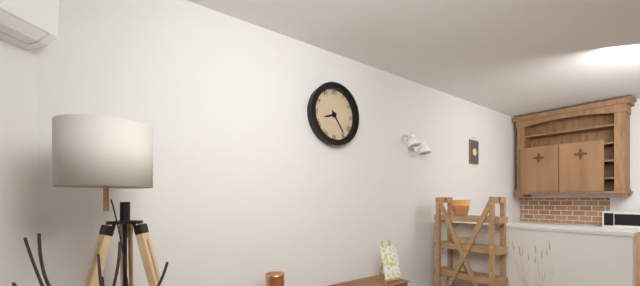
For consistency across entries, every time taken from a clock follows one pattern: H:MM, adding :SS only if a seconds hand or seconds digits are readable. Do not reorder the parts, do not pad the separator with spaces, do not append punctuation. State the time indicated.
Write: 8:24
